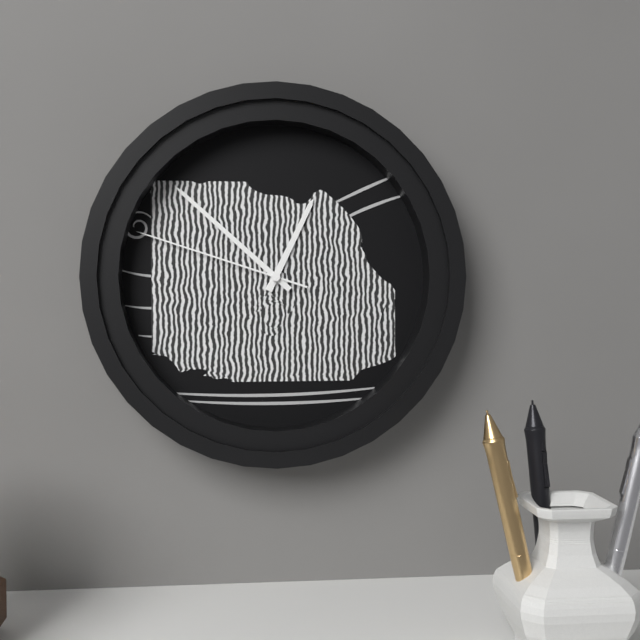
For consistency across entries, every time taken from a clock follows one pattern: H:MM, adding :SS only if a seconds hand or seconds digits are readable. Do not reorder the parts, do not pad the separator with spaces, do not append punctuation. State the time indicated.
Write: 12:52:48
